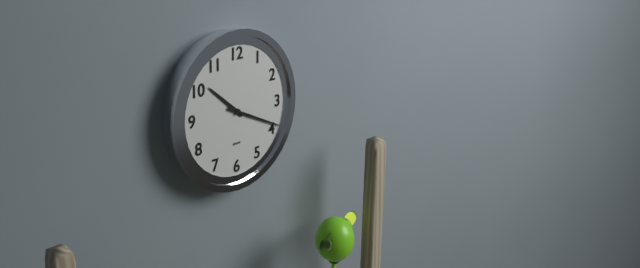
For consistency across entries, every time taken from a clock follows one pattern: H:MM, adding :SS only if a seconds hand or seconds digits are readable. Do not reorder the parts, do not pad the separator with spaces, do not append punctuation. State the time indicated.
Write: 10:19
